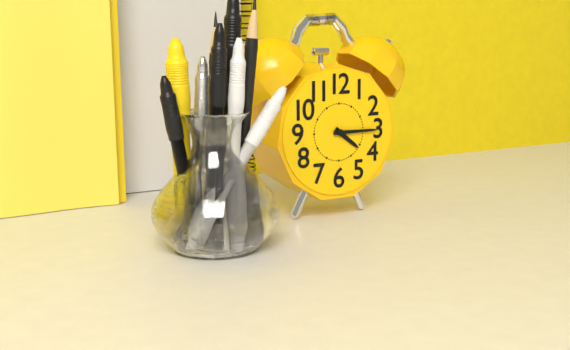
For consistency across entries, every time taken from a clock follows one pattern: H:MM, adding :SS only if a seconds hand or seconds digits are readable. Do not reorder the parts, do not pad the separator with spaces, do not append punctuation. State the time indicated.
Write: 4:15
